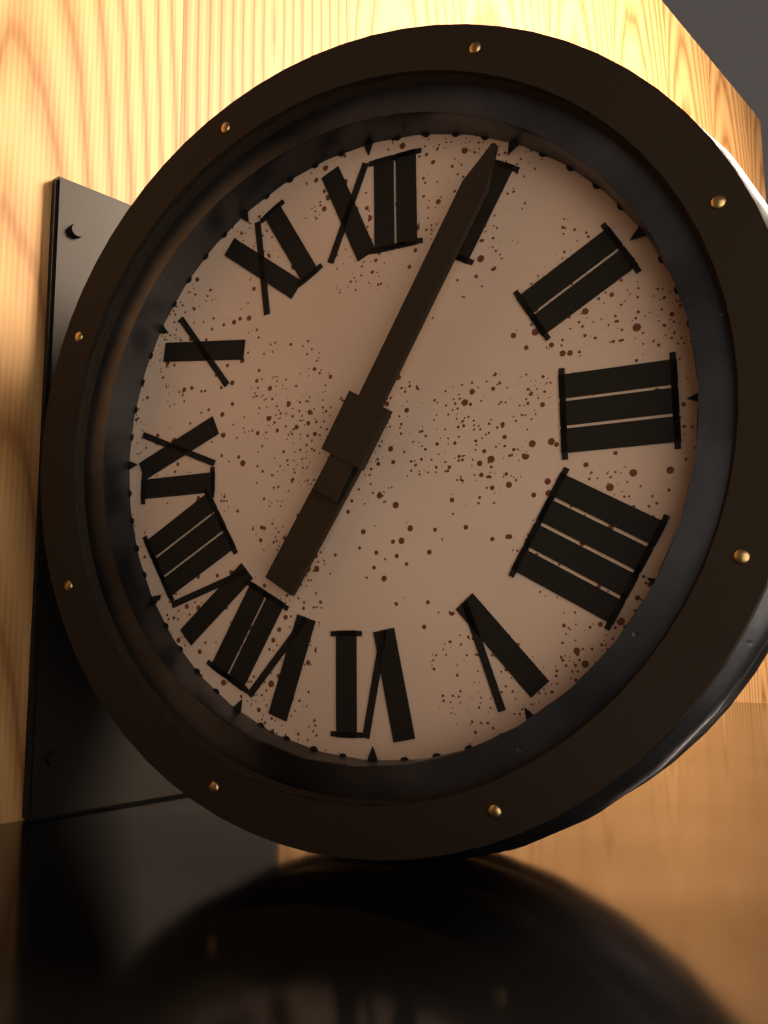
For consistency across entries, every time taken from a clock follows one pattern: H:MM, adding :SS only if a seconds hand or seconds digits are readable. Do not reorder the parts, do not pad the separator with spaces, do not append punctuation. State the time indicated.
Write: 7:05
